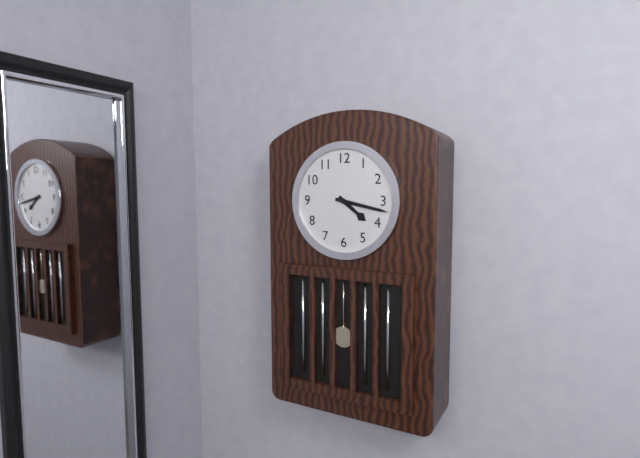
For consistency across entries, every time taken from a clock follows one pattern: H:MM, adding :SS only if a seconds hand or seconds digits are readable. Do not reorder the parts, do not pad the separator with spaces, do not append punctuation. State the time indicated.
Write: 4:17
